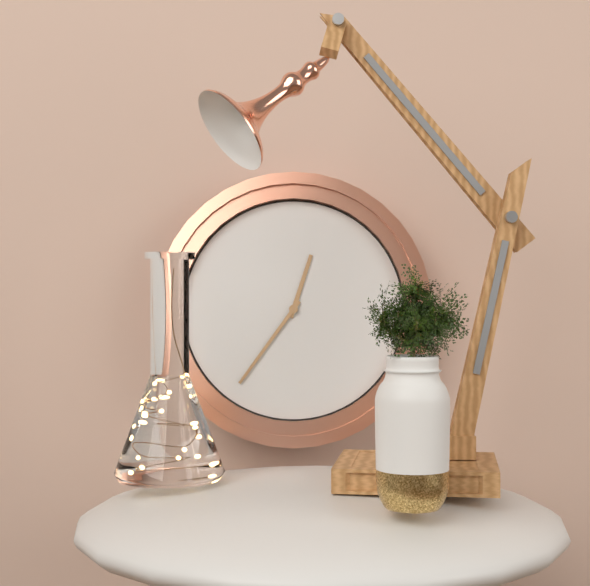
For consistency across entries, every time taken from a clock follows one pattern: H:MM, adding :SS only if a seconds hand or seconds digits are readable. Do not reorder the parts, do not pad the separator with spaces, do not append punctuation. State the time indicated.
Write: 12:36
